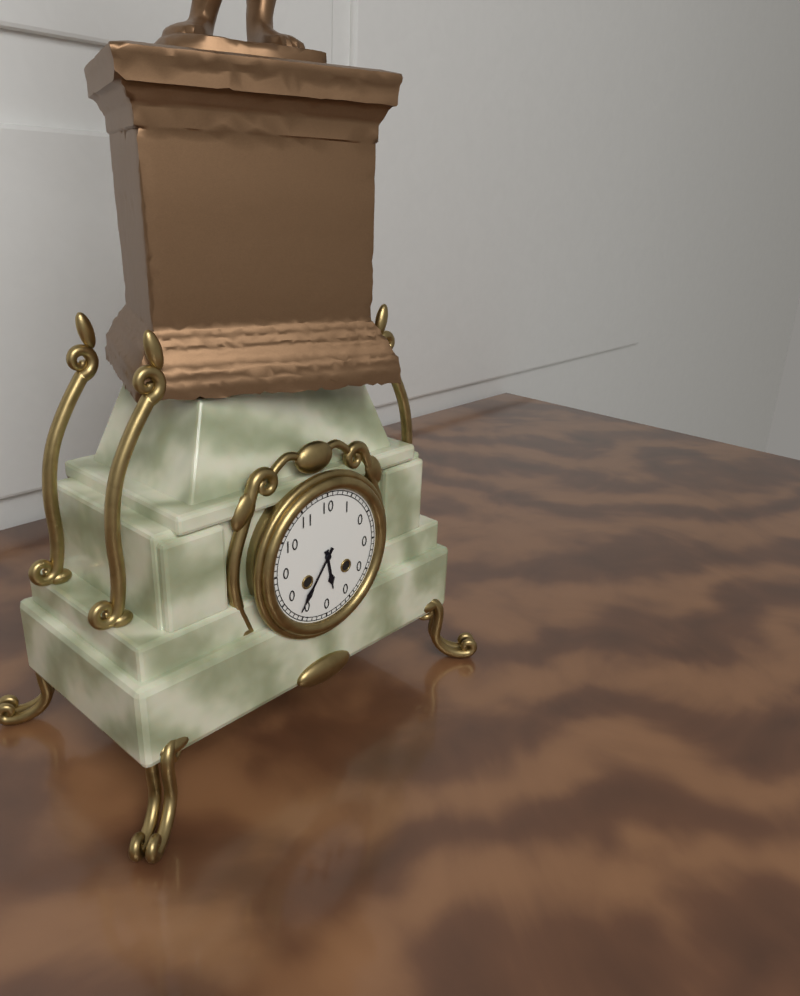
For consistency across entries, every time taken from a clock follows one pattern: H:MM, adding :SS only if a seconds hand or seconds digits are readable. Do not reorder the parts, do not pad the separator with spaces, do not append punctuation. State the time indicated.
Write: 5:36
